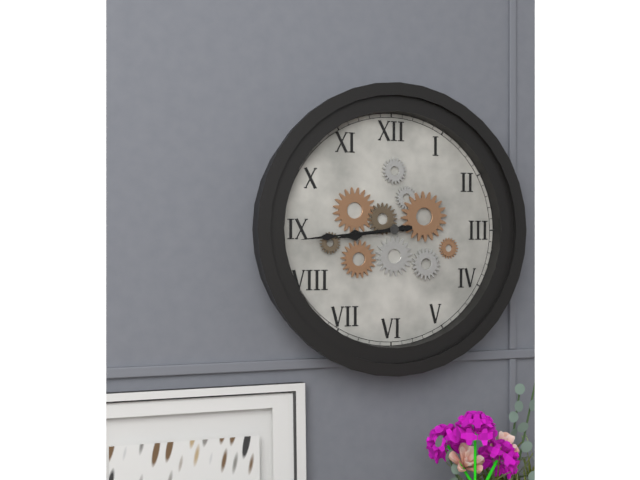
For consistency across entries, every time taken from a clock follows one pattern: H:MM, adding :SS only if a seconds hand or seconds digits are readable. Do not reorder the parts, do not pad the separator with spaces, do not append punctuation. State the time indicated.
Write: 8:44
